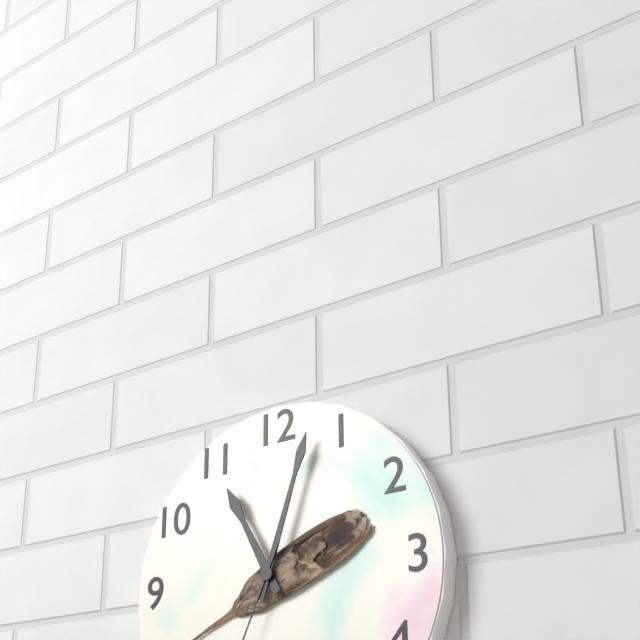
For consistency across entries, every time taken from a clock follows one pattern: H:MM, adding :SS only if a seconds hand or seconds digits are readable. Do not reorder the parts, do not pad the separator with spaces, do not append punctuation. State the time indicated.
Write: 11:03
